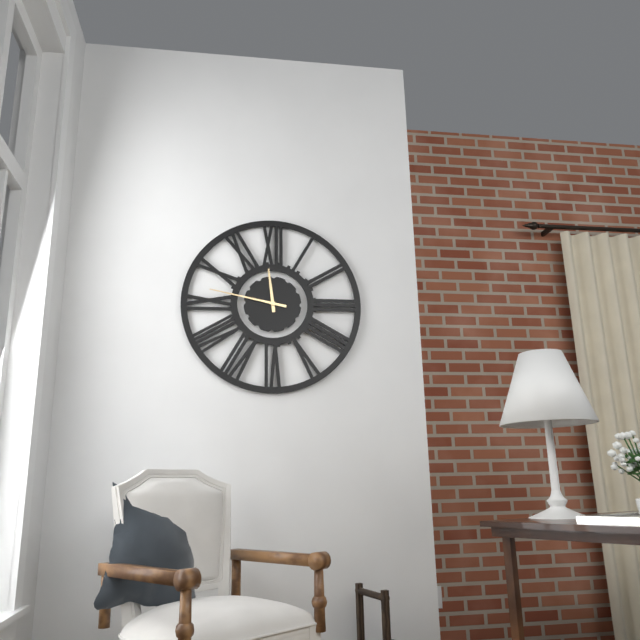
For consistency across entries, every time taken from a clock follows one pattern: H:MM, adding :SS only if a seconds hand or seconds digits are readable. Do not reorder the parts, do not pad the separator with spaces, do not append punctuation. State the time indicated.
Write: 11:47
